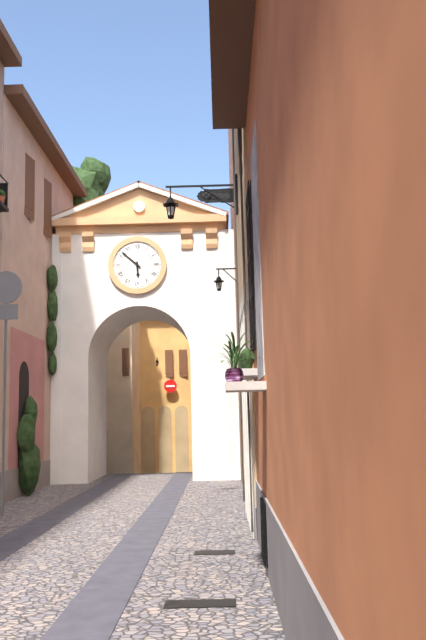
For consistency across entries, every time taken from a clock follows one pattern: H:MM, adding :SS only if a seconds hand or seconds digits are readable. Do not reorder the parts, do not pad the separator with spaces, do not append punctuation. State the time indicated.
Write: 5:52
